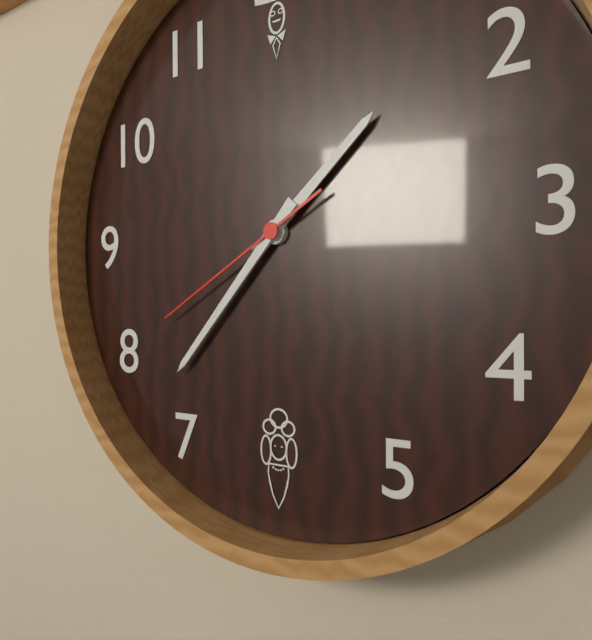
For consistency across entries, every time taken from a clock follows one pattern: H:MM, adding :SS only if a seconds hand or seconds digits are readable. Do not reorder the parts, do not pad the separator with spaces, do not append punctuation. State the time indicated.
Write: 1:37:40
